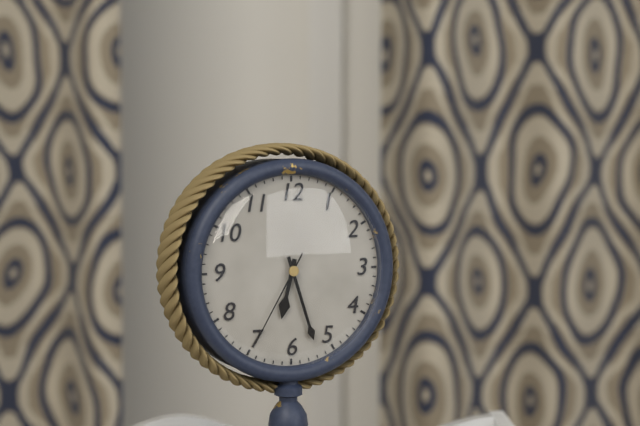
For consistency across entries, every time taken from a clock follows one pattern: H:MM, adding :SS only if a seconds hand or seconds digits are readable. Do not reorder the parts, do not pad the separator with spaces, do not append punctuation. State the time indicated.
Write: 6:27:35
